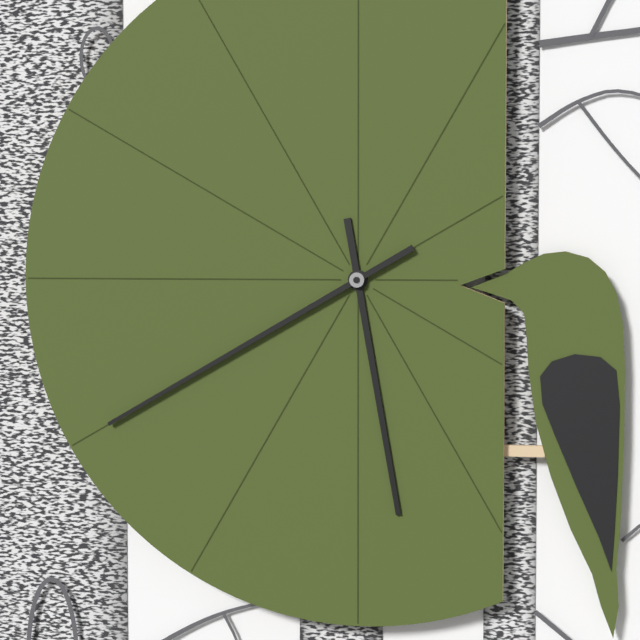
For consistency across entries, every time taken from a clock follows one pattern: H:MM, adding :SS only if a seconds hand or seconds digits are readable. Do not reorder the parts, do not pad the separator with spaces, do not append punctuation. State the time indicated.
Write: 5:40
